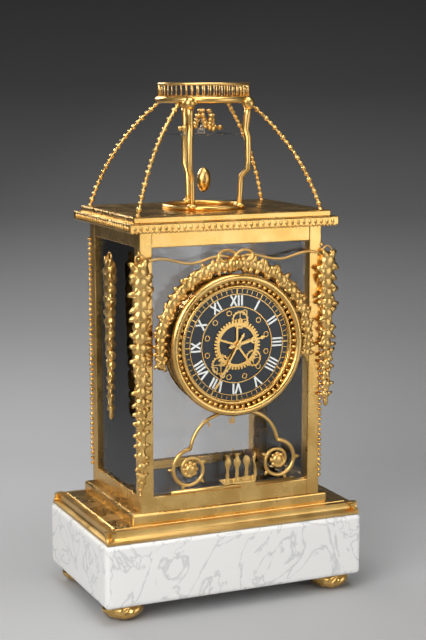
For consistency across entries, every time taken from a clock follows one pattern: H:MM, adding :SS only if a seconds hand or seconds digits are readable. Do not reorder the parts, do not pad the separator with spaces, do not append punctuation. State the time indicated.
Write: 2:35
